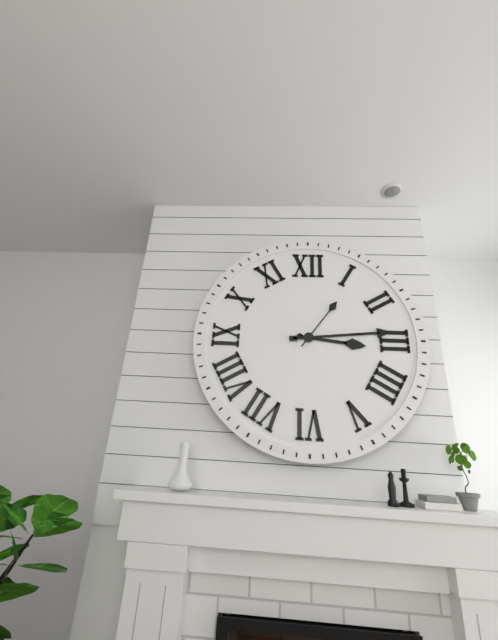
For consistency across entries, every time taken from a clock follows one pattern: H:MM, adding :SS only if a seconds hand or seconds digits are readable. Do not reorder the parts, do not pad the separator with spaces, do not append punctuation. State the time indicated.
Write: 3:14:06
